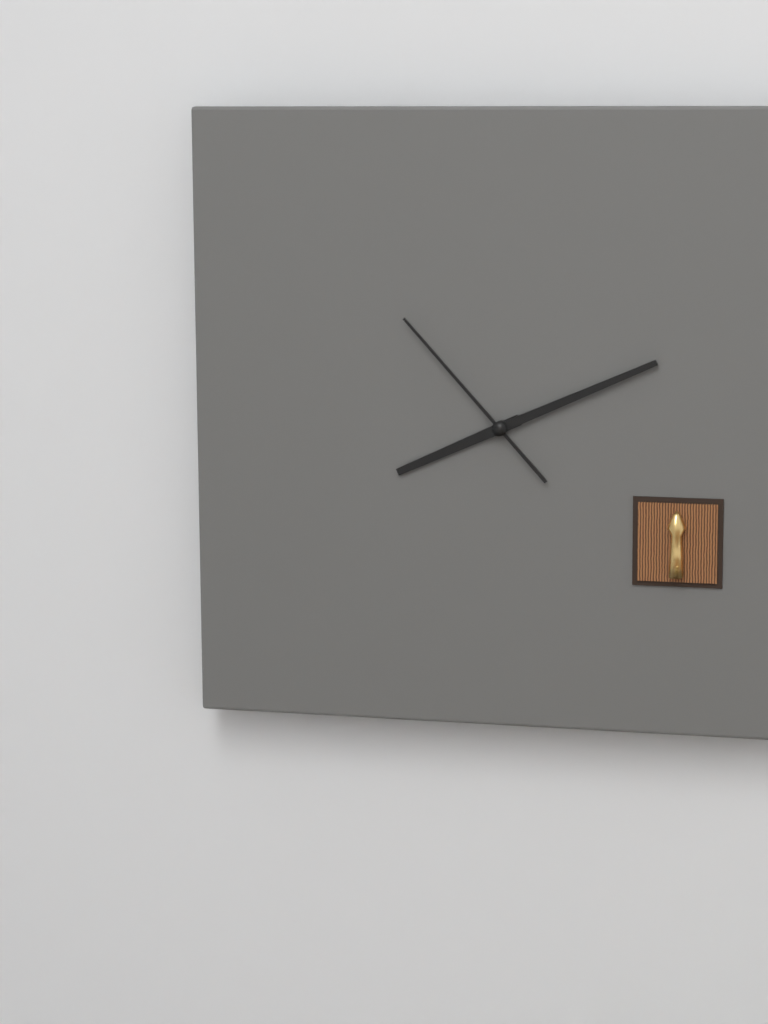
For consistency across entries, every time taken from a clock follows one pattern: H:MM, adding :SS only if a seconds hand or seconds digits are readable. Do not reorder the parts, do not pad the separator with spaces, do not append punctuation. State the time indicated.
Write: 8:11:53
